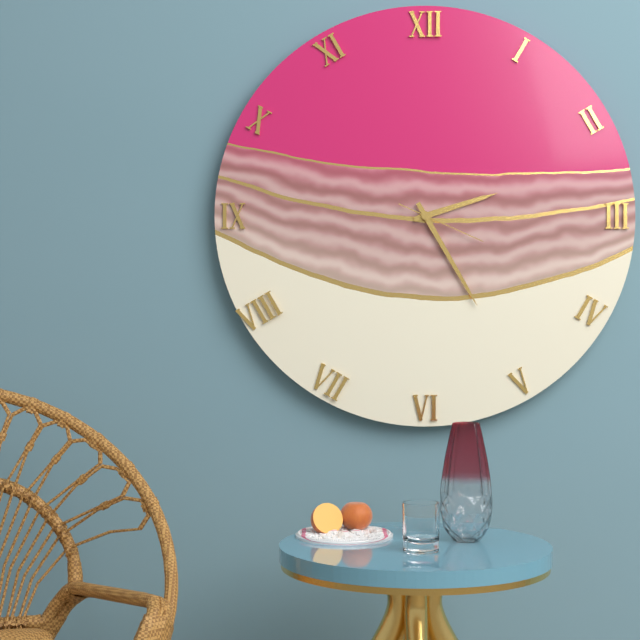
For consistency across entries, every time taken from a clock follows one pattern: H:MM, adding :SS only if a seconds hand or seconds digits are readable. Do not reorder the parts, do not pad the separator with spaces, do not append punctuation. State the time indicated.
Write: 2:25:19
